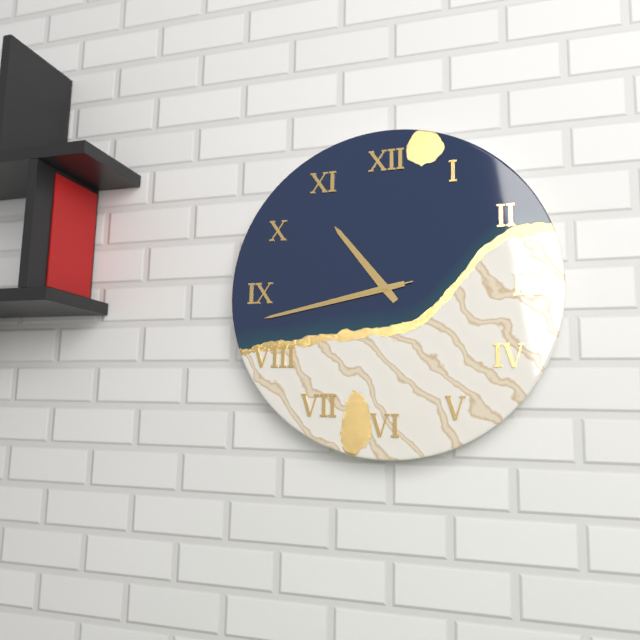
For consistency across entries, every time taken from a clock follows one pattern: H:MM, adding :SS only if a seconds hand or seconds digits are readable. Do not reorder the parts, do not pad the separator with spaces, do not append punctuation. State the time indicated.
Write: 10:43:43
